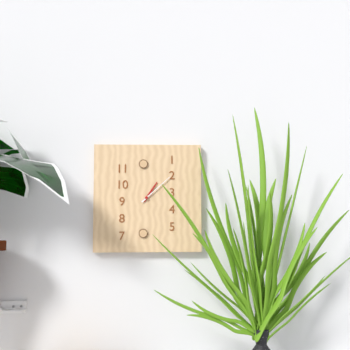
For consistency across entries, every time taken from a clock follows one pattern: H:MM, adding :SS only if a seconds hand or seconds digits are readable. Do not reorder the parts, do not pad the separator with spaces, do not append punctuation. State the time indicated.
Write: 1:08
